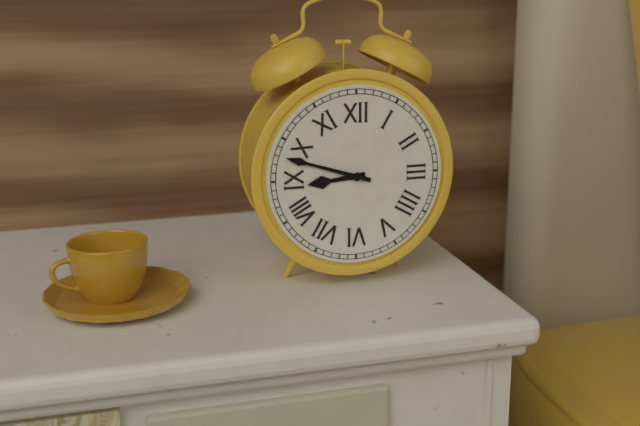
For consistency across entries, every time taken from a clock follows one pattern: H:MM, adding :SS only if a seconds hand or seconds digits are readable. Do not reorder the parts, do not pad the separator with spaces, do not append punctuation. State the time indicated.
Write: 8:48
